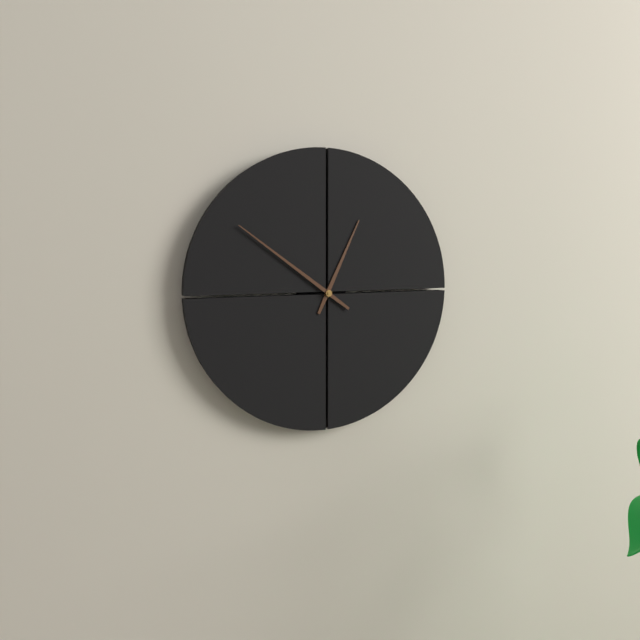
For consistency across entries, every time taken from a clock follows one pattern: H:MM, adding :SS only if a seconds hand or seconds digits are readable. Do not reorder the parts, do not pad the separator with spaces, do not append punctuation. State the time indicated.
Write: 12:51
